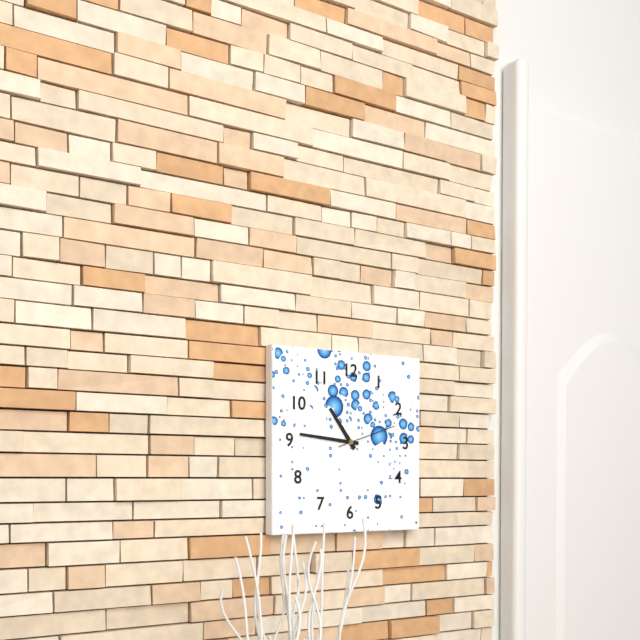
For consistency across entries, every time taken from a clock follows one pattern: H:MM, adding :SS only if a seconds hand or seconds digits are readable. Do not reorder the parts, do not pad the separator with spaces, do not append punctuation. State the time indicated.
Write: 10:46:12
